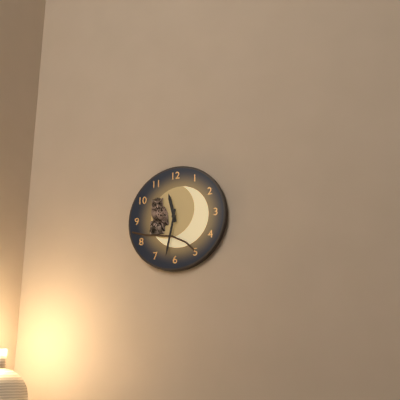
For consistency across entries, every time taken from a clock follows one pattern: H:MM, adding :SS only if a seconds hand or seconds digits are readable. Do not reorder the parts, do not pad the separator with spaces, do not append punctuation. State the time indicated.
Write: 11:32
